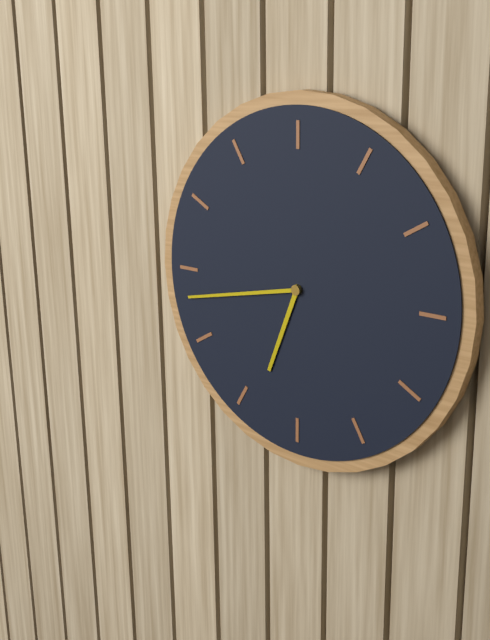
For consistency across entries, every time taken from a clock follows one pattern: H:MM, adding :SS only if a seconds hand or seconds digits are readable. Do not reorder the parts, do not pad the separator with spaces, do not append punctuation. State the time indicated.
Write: 6:43
